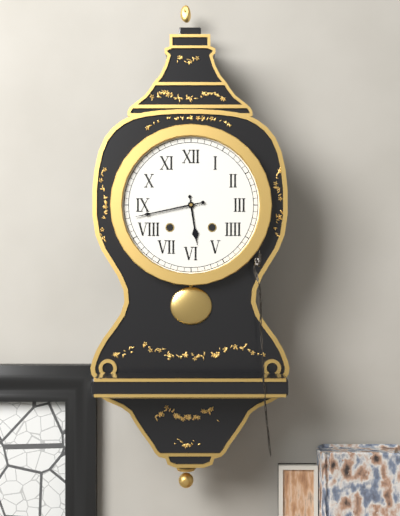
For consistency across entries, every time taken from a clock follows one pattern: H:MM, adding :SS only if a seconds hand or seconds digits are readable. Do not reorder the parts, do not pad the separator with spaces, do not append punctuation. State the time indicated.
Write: 5:43
